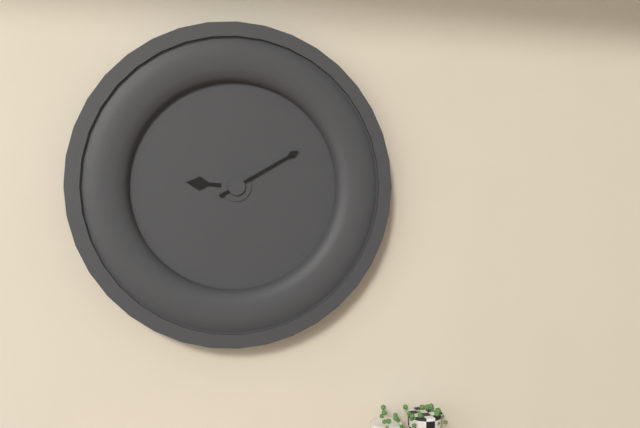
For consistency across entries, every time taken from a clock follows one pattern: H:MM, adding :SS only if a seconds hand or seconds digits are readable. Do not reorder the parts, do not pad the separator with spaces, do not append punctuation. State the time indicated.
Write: 9:10
